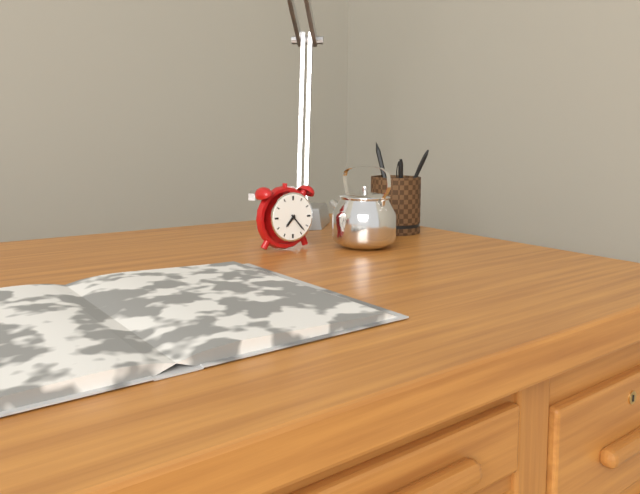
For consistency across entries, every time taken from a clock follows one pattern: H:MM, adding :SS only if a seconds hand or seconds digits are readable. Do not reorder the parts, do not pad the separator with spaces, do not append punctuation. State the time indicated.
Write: 7:23
